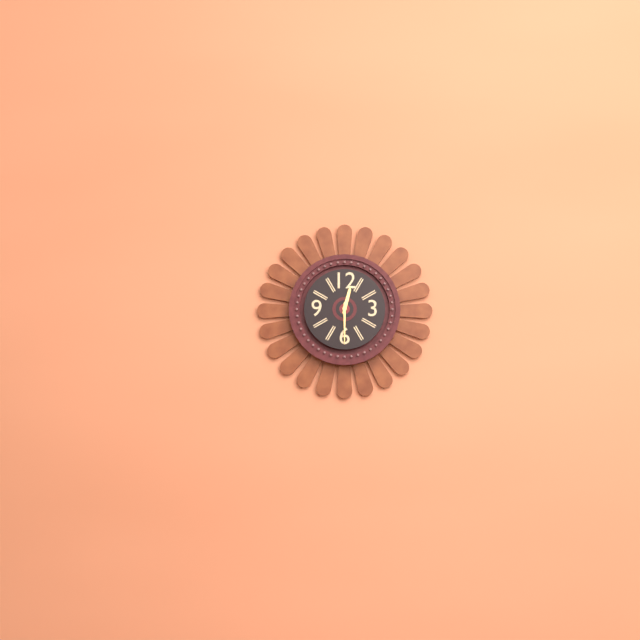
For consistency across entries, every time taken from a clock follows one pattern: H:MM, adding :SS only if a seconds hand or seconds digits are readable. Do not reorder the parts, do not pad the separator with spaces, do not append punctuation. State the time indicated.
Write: 12:30
